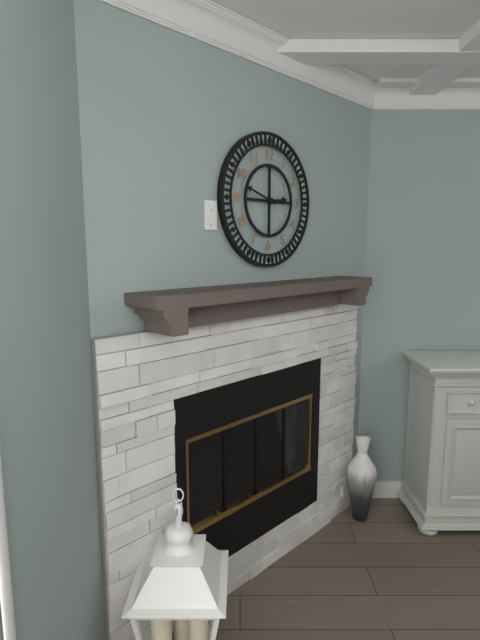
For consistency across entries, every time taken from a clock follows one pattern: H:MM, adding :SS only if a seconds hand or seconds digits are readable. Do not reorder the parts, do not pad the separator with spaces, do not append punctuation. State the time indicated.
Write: 2:48
